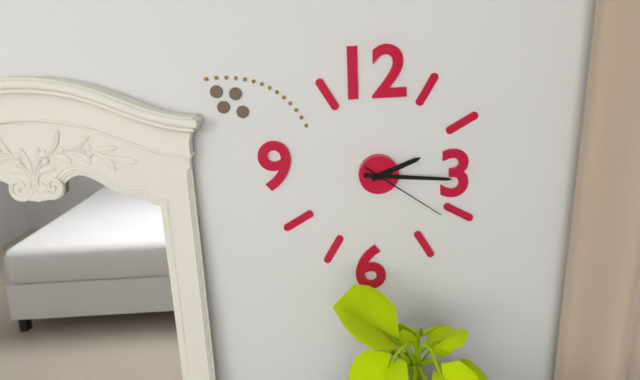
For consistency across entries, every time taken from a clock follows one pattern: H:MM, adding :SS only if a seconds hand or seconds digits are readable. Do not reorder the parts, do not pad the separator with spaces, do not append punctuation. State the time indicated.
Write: 2:16:21
